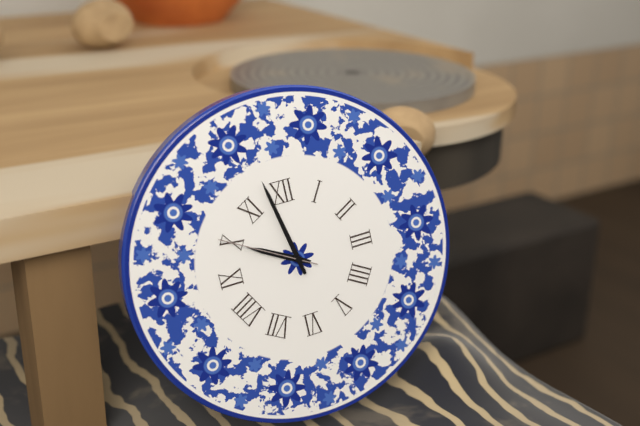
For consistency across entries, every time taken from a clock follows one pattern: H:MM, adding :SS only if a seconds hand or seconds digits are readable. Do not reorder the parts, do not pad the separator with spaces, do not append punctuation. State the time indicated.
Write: 9:58:50
